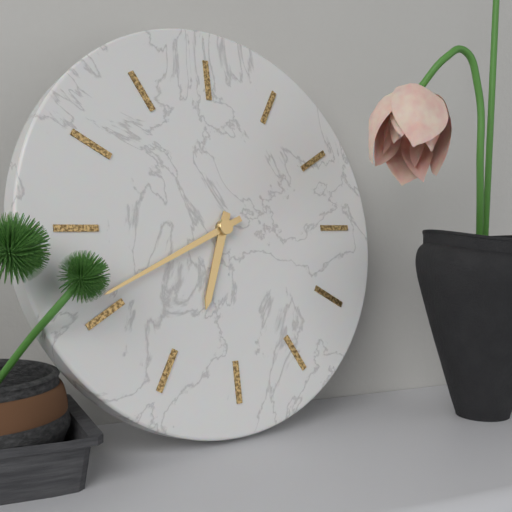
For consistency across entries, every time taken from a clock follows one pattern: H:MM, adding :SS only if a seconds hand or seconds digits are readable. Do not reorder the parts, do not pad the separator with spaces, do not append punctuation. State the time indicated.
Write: 6:41
